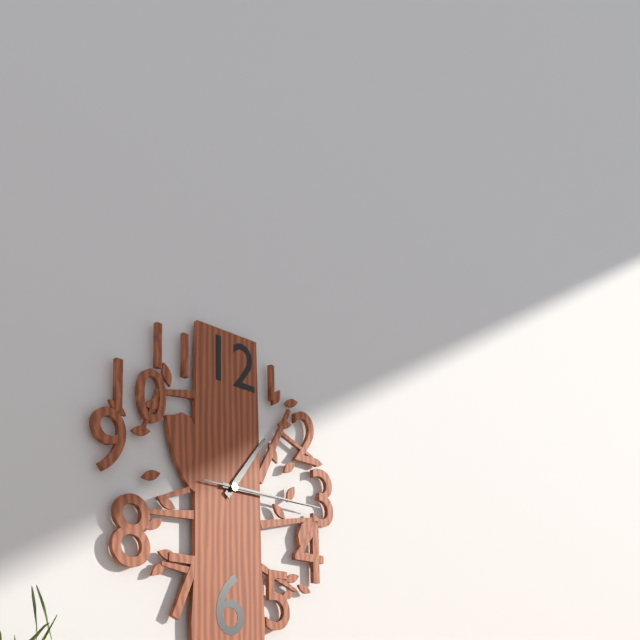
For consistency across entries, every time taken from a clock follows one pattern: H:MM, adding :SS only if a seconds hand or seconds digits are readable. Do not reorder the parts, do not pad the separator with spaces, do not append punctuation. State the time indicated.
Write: 1:15:15
